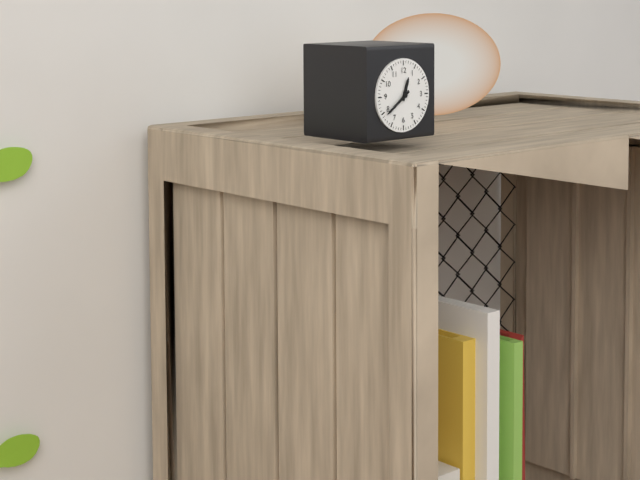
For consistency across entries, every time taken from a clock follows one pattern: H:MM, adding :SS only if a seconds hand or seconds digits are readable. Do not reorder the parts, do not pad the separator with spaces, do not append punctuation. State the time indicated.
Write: 12:39
